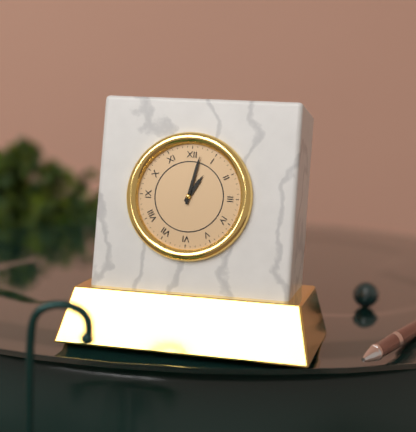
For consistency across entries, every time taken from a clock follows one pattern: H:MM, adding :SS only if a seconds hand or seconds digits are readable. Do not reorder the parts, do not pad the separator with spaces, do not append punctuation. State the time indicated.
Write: 1:02
